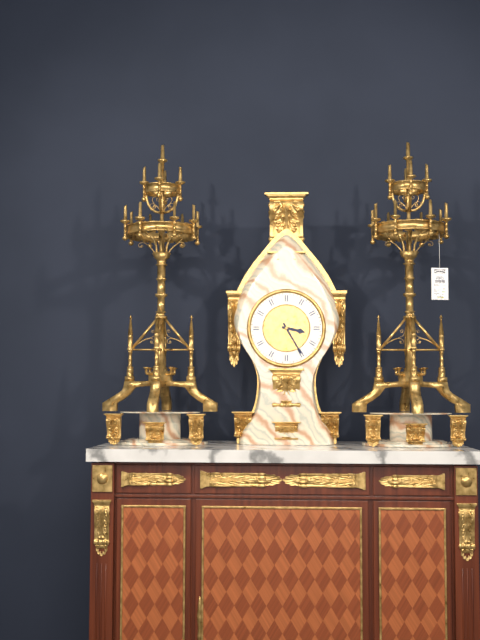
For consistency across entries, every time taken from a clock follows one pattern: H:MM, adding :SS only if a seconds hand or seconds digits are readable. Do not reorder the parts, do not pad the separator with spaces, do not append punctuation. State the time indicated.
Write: 3:25
